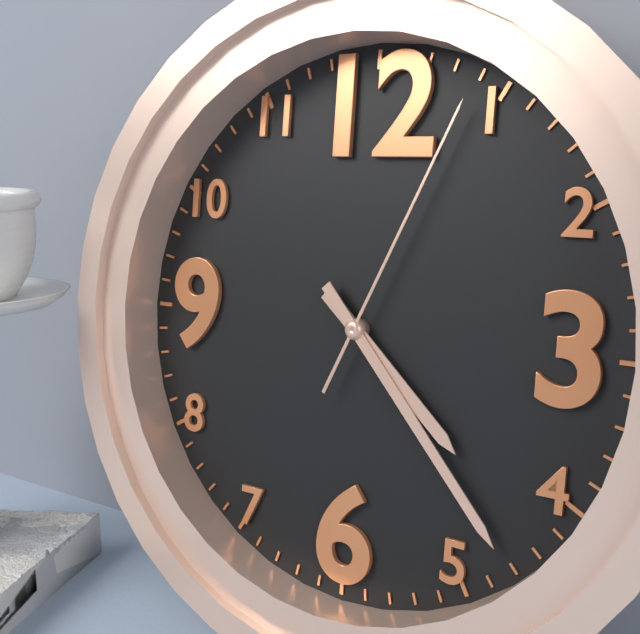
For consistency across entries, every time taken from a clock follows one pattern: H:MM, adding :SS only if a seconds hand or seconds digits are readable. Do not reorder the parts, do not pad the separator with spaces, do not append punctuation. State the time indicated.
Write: 4:23:04
